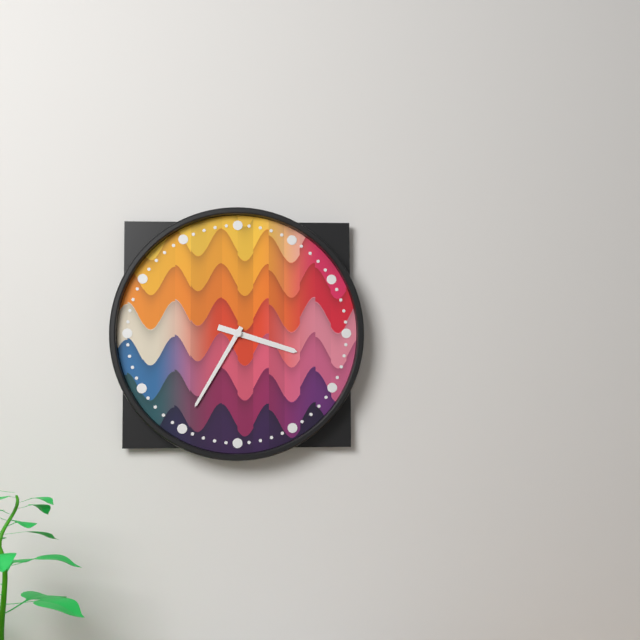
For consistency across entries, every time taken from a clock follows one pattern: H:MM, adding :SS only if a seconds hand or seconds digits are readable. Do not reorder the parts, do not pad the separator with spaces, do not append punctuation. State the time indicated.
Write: 3:35
